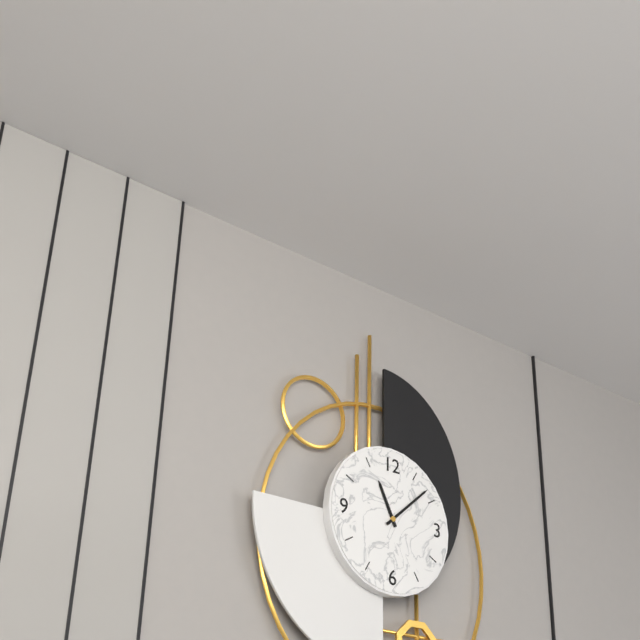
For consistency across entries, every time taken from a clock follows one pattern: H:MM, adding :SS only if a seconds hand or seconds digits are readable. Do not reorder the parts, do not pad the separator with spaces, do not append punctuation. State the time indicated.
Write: 11:08
